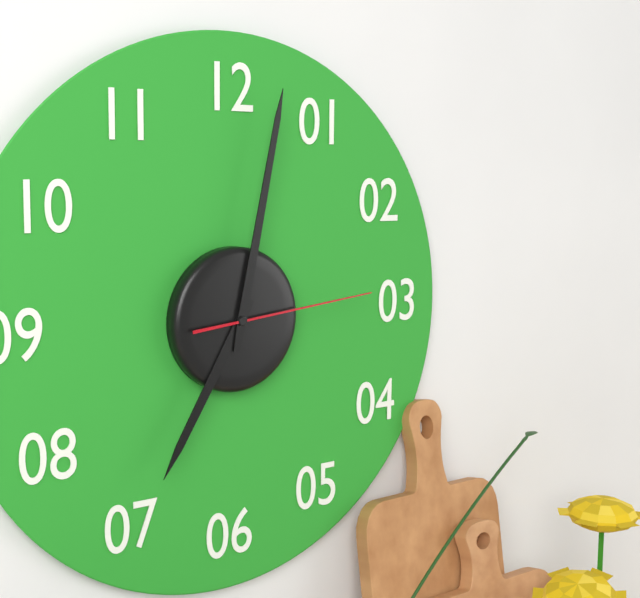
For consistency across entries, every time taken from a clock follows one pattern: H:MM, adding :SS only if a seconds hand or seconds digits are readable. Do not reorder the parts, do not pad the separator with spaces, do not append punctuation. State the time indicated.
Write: 7:02:14
